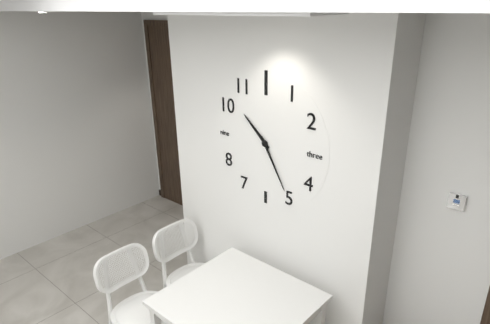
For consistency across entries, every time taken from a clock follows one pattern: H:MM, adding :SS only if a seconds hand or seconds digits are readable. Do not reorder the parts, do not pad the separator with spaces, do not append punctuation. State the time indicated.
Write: 10:25
